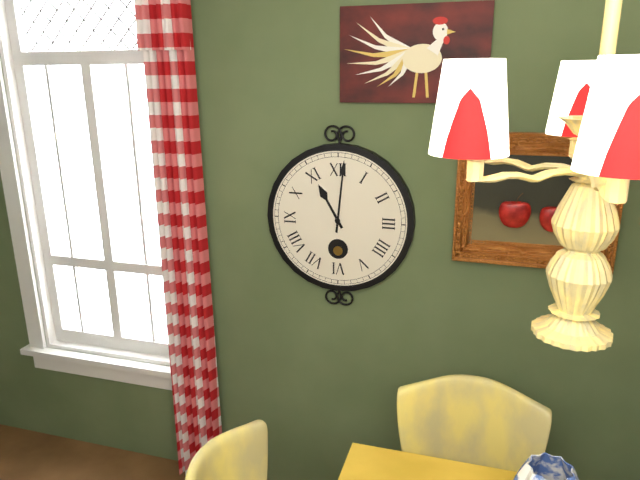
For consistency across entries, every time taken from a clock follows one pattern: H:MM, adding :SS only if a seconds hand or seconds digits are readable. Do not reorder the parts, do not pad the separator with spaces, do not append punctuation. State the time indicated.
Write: 11:01
